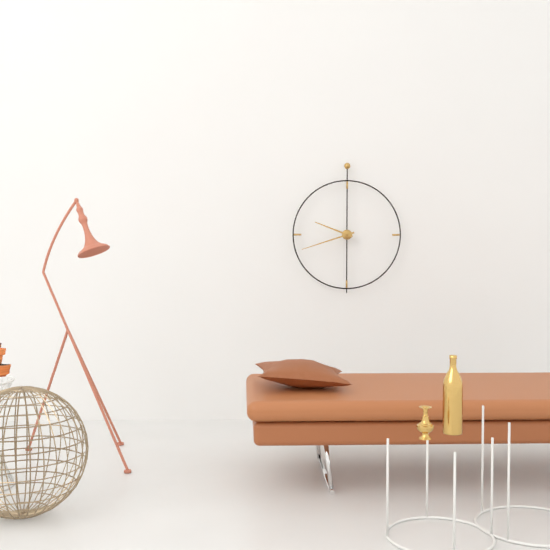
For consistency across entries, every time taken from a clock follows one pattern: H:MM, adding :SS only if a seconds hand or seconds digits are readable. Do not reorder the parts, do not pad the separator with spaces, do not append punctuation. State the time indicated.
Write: 9:42
